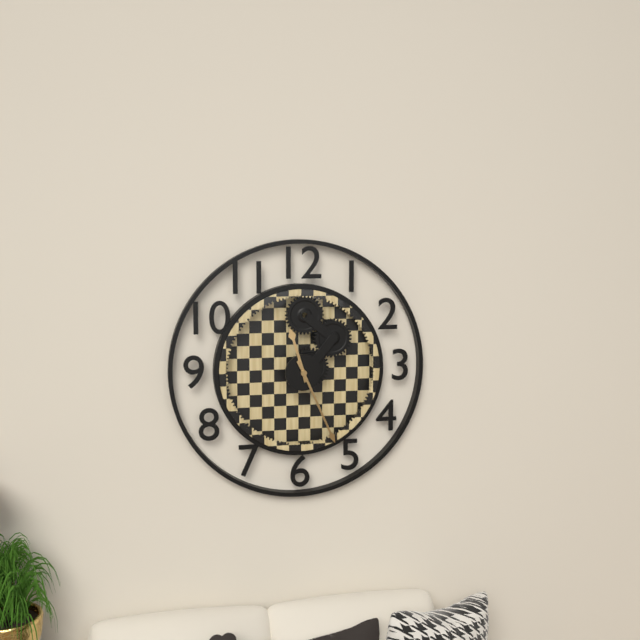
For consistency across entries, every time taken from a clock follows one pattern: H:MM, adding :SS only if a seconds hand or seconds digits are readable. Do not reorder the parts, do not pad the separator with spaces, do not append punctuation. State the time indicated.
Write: 11:26
